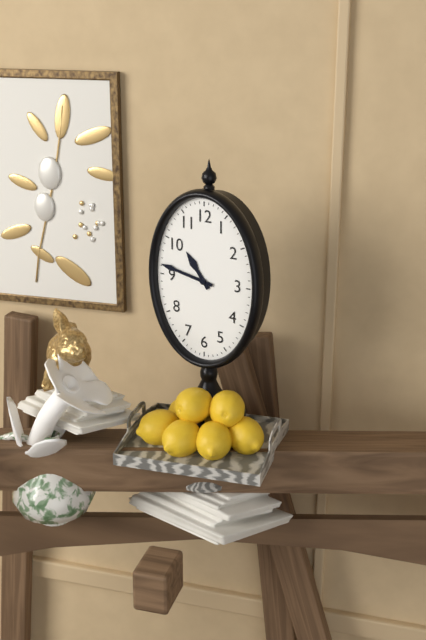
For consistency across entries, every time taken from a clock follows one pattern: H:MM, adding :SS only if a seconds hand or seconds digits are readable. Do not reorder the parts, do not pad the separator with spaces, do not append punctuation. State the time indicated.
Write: 10:47
